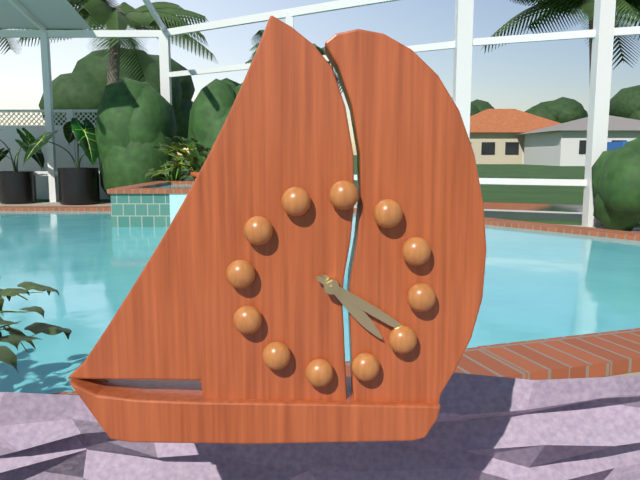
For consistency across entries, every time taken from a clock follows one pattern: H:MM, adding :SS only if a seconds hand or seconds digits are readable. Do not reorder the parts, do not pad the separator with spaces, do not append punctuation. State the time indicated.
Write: 4:19
